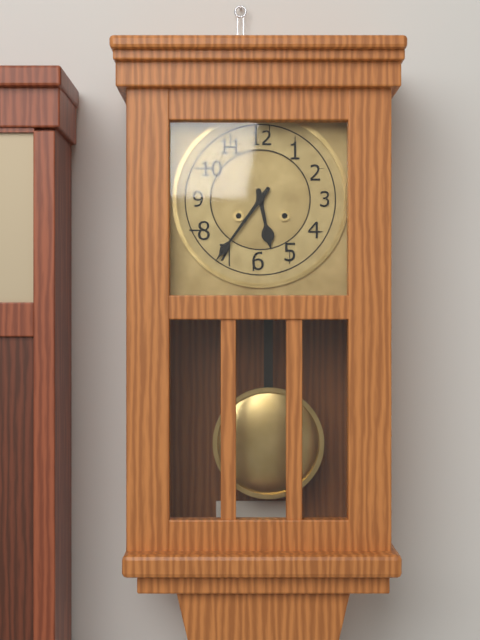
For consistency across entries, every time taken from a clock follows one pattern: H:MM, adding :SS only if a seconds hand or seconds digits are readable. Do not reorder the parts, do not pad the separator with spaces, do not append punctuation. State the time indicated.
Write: 5:36
